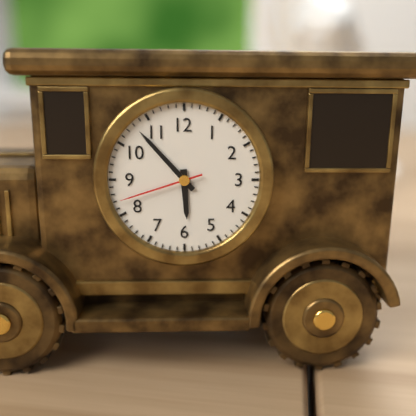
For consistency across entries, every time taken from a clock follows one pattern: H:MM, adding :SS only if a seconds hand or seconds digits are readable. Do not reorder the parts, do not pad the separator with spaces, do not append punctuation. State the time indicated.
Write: 5:53:42
